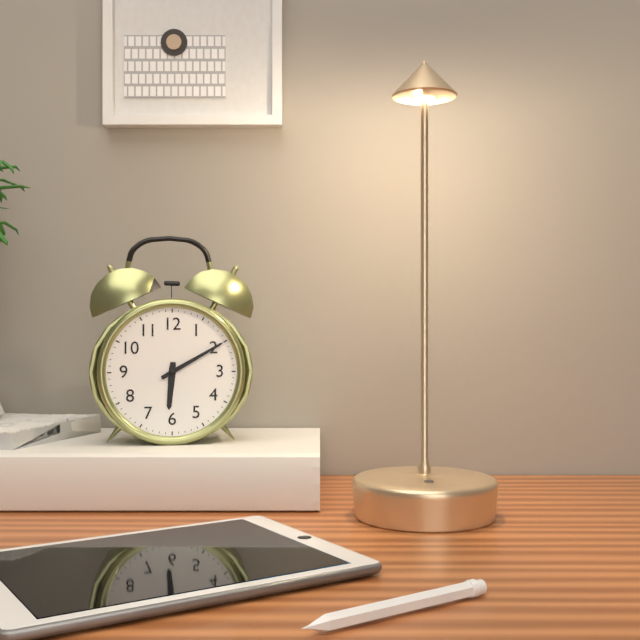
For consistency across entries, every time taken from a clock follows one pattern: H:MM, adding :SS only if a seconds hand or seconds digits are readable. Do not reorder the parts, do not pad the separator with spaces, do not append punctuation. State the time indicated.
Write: 6:10
